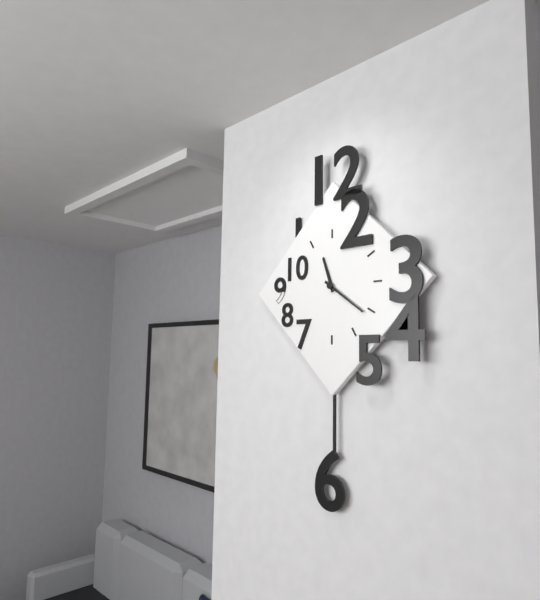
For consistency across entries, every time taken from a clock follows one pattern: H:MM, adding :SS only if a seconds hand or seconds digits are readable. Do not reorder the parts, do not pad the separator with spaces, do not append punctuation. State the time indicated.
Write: 11:21
